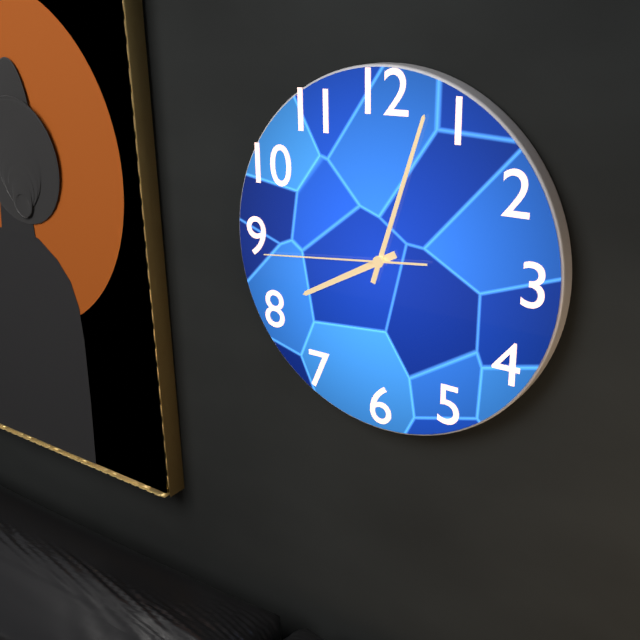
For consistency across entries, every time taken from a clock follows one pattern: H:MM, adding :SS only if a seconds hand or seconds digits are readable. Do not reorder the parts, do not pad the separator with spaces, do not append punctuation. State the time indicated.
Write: 8:03:44
